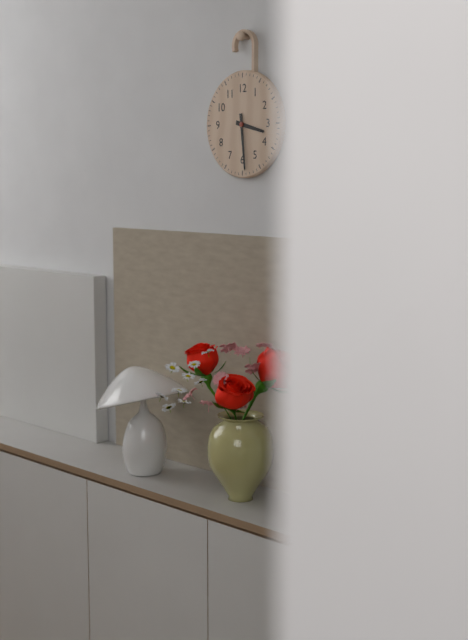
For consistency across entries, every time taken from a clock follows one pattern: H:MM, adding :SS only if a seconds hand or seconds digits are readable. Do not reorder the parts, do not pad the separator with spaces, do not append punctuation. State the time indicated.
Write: 3:29
